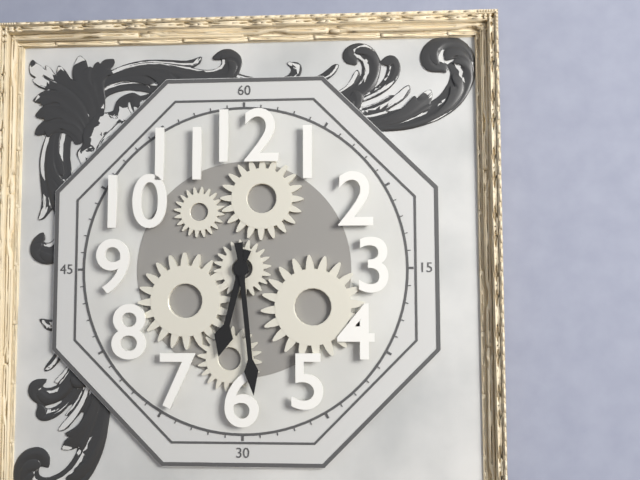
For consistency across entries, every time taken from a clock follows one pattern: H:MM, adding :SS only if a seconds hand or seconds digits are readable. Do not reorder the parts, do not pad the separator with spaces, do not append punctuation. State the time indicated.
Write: 6:29
